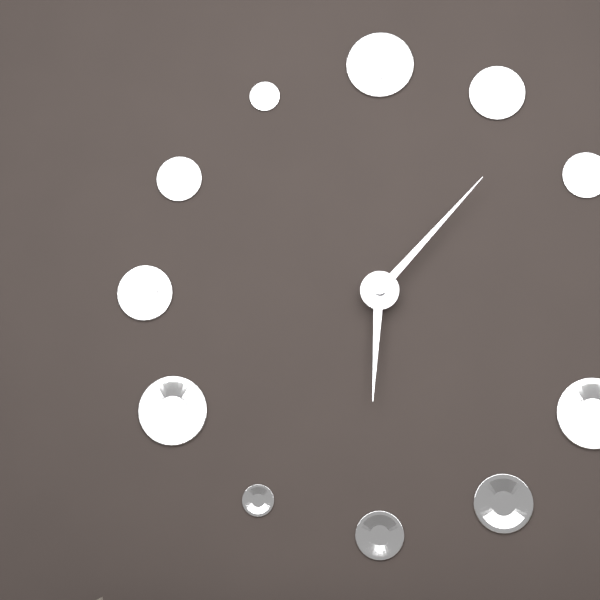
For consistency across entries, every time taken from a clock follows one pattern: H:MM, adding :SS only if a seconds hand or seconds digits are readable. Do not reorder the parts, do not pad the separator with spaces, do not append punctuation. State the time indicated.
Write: 6:07
